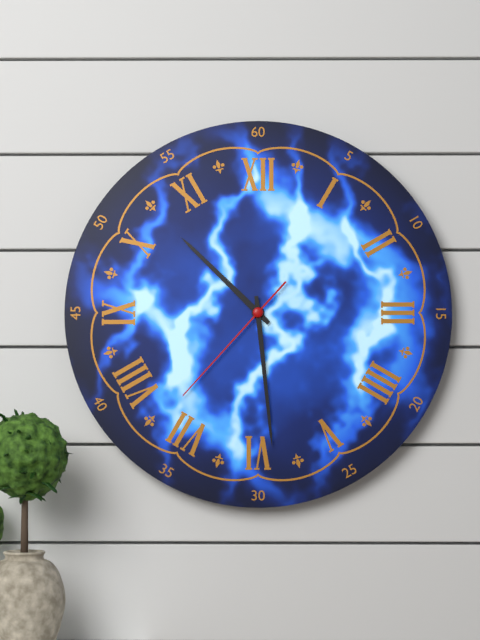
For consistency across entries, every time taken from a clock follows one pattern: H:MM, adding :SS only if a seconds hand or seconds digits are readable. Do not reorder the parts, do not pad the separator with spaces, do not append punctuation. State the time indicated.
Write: 10:29:37
